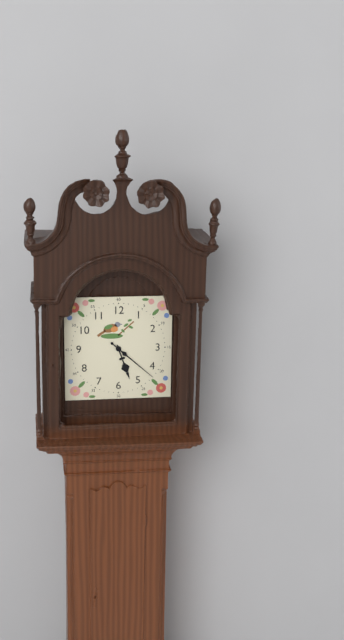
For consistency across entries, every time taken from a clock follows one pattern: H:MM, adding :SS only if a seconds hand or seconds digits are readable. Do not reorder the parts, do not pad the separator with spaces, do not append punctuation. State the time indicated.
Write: 5:22
